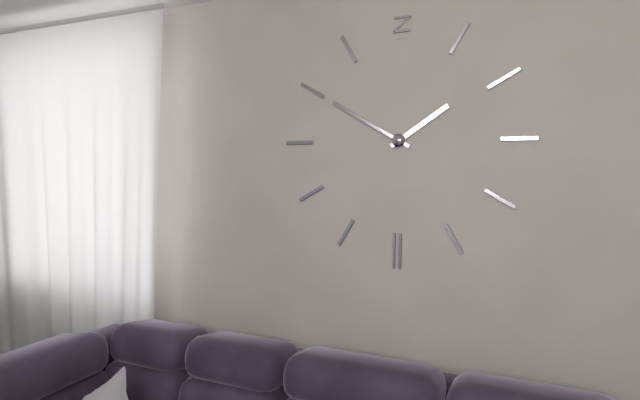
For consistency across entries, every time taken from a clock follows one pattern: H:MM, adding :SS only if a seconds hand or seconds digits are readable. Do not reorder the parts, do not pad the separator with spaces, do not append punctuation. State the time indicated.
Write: 1:50
